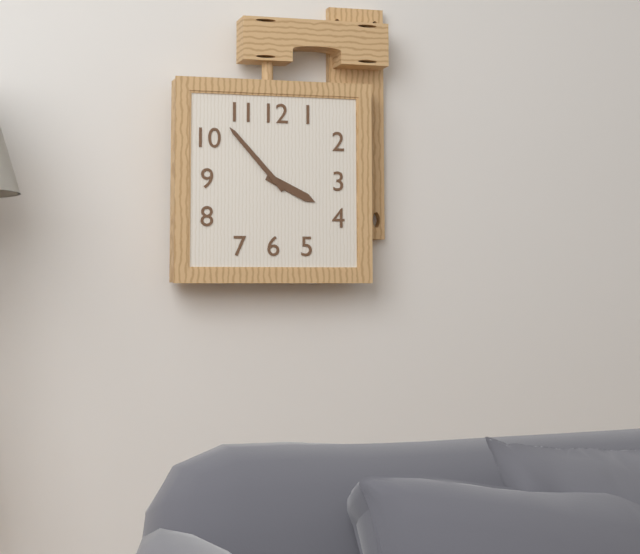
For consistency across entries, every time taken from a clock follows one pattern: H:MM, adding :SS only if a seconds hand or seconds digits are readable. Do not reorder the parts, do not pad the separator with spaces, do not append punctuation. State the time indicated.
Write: 3:53
